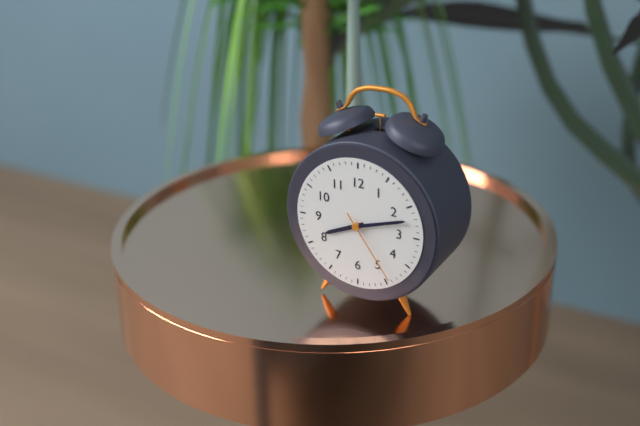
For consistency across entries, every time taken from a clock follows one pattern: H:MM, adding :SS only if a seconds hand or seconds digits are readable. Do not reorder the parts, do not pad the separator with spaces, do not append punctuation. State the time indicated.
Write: 8:12:24
